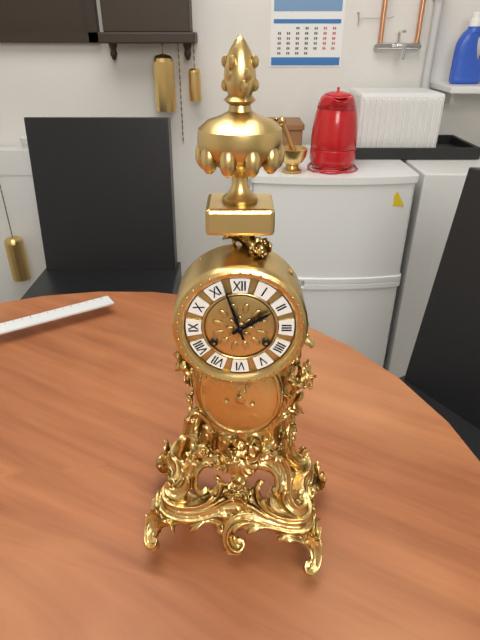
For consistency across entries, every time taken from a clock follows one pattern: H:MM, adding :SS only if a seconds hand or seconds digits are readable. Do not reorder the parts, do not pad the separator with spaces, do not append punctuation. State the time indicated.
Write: 1:57
